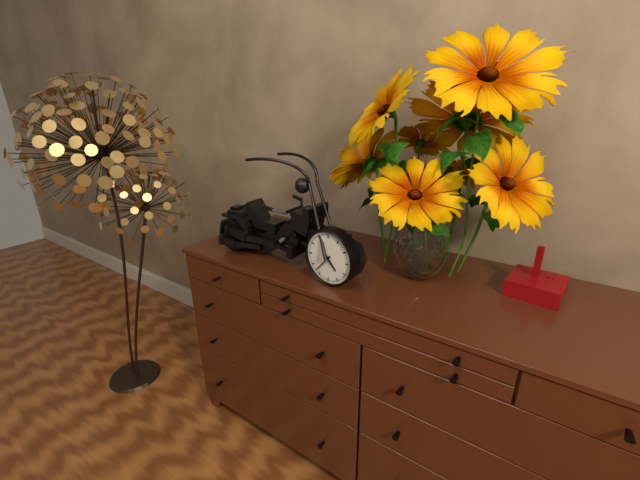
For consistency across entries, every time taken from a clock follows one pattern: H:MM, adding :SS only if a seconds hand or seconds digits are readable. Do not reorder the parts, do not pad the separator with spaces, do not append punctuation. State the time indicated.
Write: 4:37
